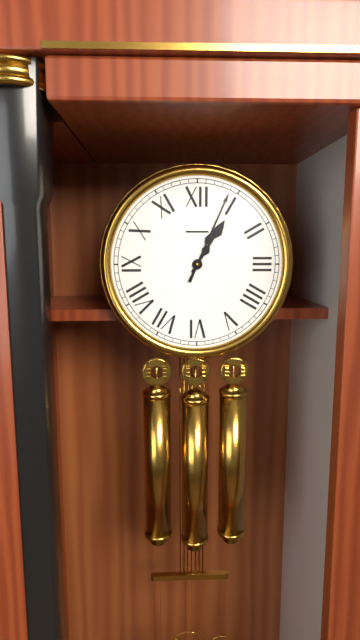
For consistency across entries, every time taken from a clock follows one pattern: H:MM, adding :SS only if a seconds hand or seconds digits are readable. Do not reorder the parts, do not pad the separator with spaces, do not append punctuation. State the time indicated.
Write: 1:04
